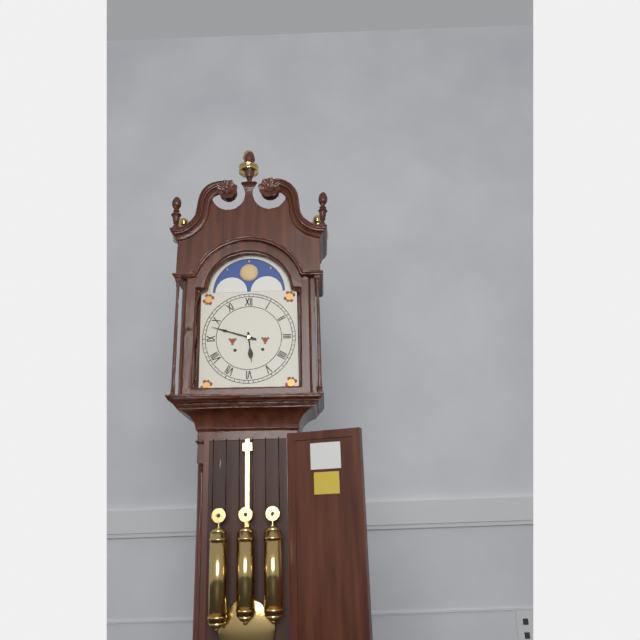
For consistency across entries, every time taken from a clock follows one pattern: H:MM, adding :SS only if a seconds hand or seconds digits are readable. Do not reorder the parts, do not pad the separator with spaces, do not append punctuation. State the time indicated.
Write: 5:48
